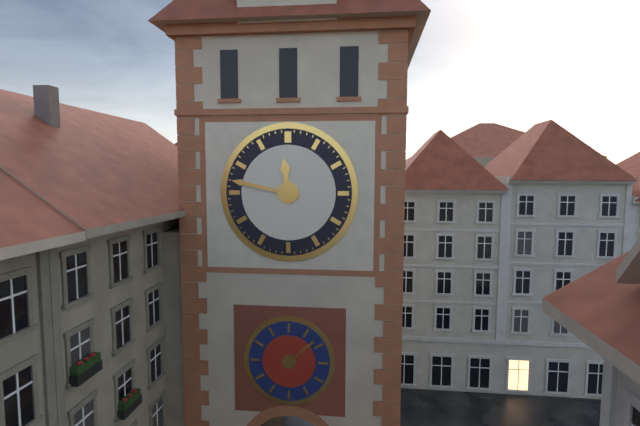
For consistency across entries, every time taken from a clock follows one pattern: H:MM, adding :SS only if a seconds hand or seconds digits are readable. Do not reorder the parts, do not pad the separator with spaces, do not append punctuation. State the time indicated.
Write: 11:47
